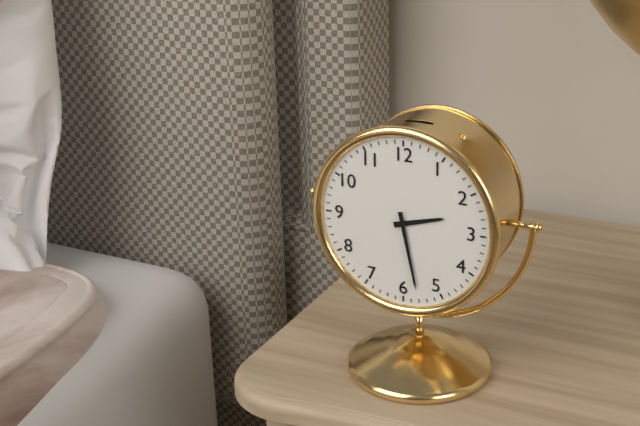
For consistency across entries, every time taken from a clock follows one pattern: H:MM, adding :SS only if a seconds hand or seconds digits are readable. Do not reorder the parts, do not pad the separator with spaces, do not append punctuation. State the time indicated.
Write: 2:28
